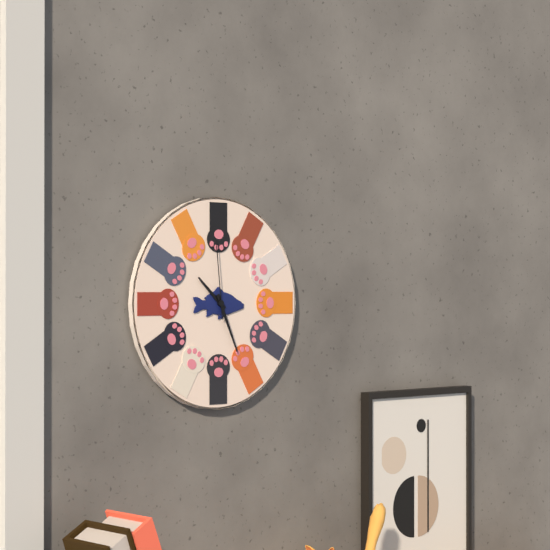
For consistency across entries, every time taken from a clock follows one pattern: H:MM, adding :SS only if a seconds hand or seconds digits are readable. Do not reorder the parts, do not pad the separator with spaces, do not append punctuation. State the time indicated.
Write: 10:26:59
